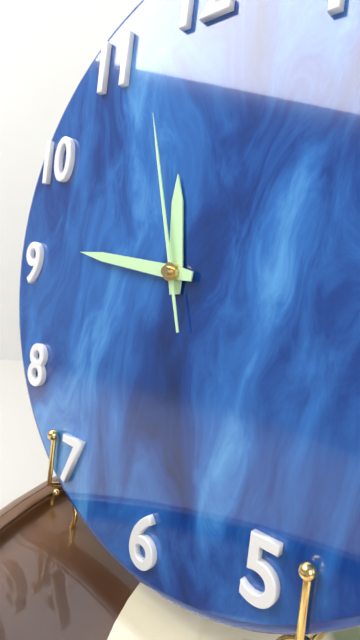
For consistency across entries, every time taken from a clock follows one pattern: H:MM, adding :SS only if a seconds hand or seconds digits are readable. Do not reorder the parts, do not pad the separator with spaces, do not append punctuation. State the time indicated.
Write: 11:46:57
